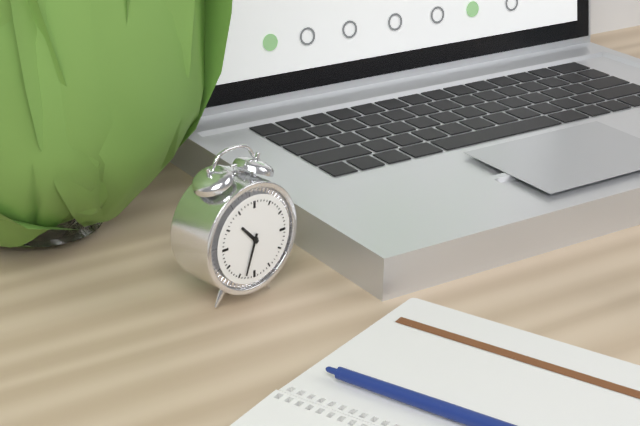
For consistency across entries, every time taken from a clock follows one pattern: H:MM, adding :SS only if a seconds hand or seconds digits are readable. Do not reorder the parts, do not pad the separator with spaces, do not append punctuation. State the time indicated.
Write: 10:33
